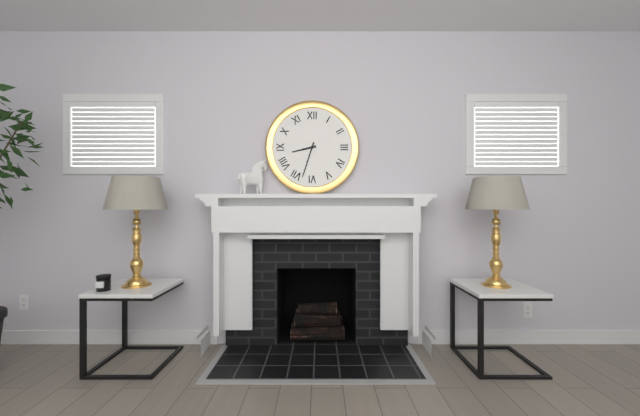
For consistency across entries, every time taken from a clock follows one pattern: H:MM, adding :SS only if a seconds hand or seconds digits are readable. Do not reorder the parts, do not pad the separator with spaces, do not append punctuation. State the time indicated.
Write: 8:33
